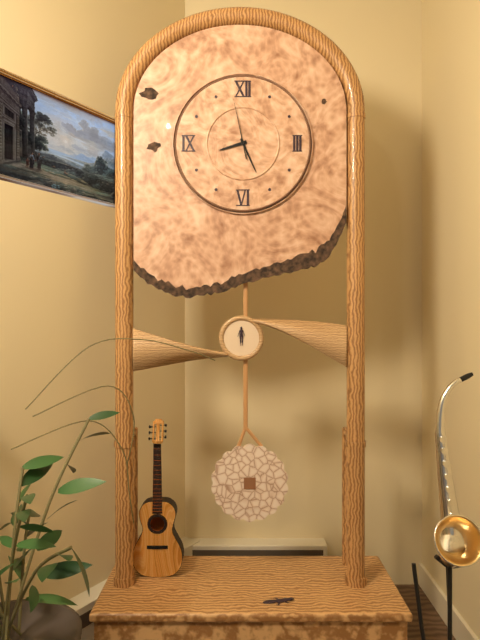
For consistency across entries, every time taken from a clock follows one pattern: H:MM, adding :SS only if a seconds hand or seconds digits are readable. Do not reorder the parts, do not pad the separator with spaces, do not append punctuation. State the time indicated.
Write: 8:26:58
